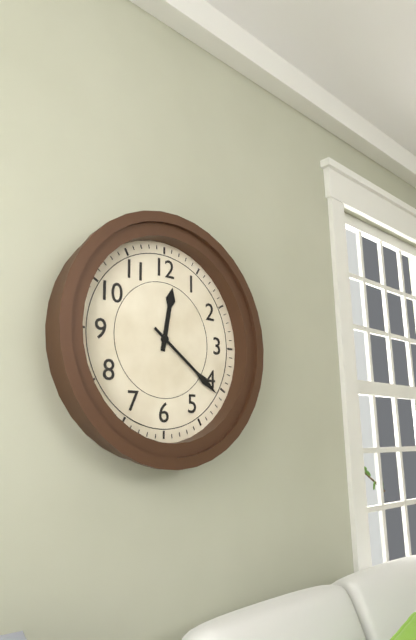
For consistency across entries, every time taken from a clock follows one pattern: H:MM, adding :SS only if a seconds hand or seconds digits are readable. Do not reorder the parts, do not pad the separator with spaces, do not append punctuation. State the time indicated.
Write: 12:21
